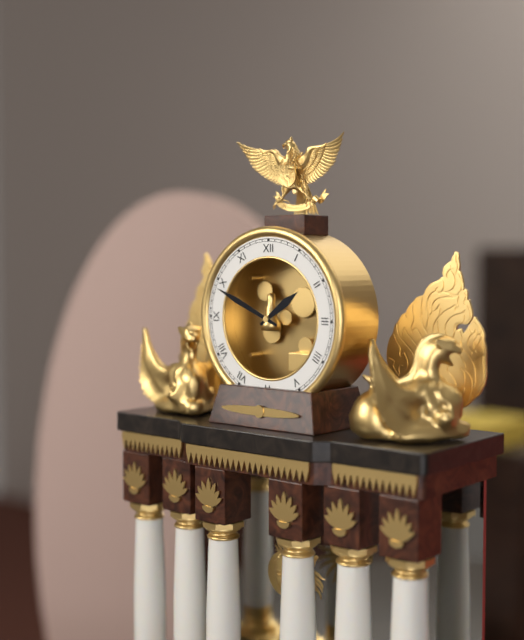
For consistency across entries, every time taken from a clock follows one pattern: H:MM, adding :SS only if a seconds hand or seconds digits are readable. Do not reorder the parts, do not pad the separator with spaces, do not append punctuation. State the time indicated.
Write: 1:49
